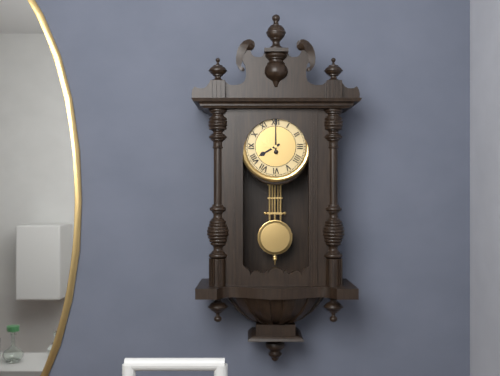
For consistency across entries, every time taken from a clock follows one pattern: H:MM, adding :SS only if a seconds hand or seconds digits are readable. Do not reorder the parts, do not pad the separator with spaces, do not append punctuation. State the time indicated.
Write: 8:00
